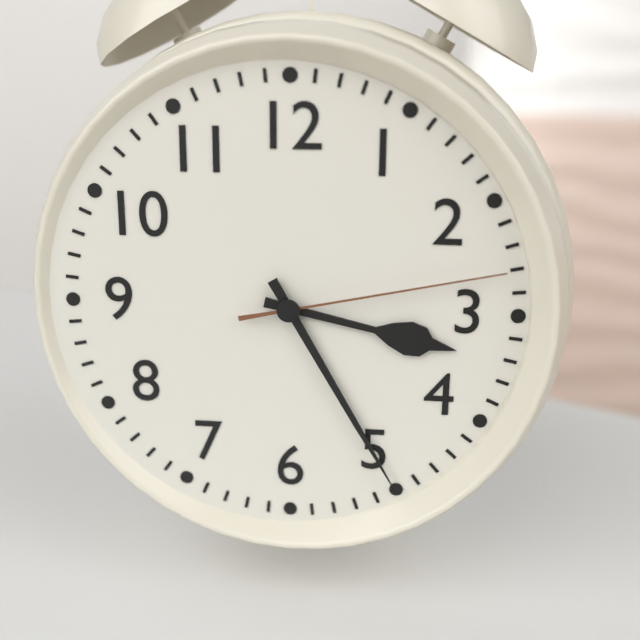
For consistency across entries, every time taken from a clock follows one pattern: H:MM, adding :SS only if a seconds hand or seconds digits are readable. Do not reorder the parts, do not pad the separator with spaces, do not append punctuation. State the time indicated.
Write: 3:25:13
